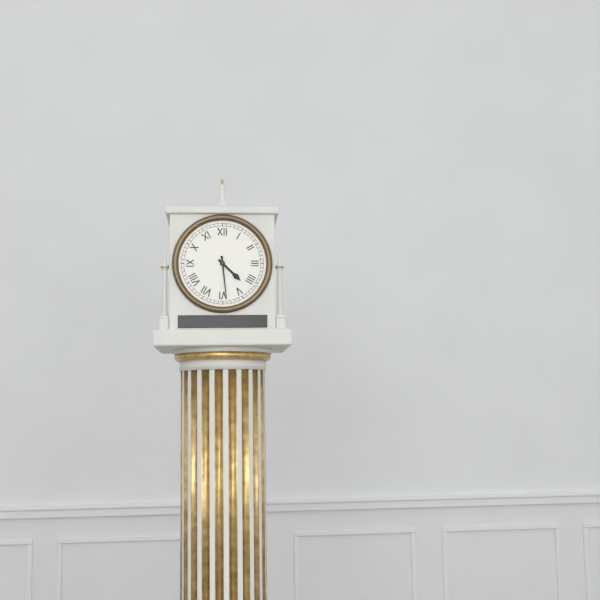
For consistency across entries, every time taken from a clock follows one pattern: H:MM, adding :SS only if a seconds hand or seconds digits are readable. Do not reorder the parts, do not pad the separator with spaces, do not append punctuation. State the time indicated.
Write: 4:29
